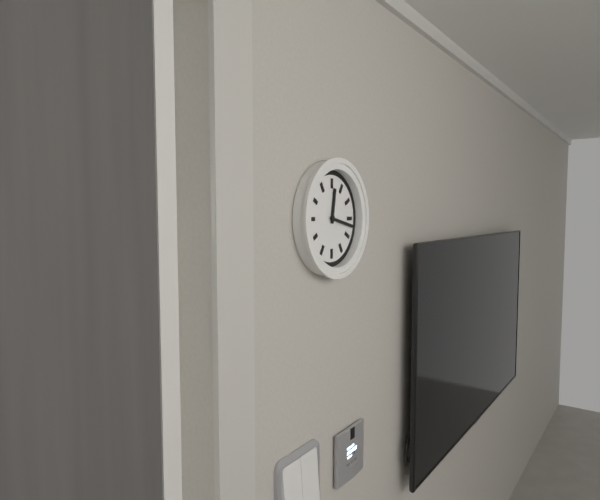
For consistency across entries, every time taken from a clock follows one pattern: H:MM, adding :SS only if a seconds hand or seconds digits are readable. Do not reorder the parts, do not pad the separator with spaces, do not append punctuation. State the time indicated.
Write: 12:17
